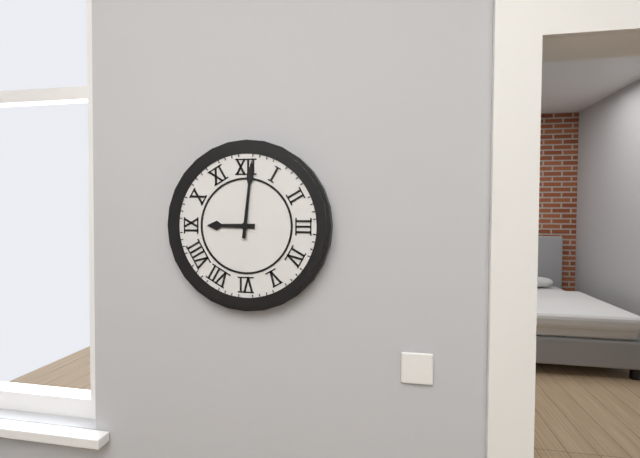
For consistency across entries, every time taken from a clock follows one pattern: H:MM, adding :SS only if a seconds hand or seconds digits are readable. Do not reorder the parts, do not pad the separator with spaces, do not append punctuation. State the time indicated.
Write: 9:01
